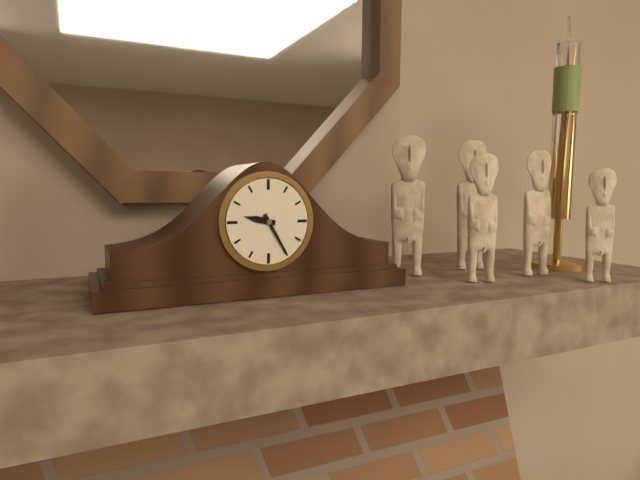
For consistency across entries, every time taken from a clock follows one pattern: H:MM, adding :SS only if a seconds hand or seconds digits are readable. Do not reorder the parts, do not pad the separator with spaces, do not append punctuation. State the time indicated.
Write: 9:25
